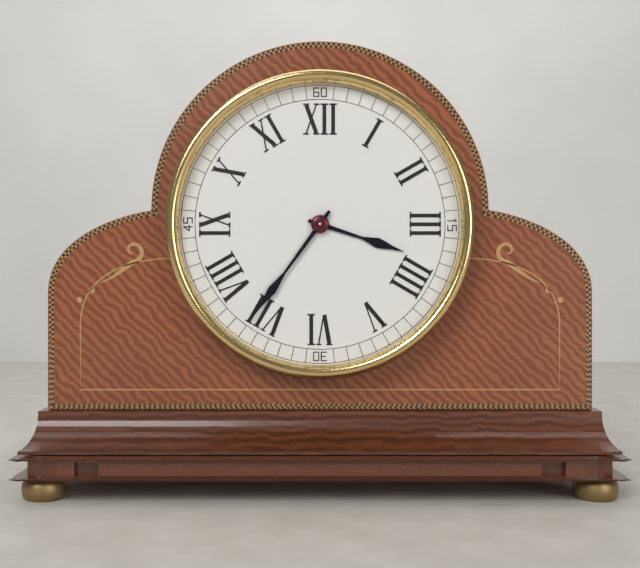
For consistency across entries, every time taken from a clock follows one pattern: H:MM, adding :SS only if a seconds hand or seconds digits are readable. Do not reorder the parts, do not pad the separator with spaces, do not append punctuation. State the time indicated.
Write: 3:36
